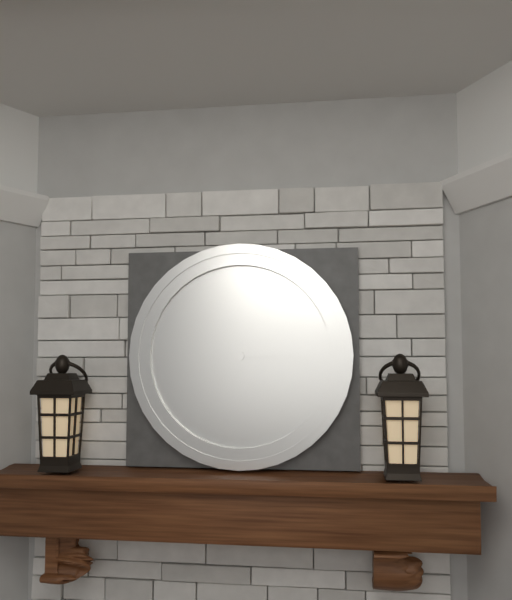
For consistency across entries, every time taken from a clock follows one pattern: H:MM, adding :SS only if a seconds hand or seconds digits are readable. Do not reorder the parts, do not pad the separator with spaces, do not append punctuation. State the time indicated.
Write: 8:15
